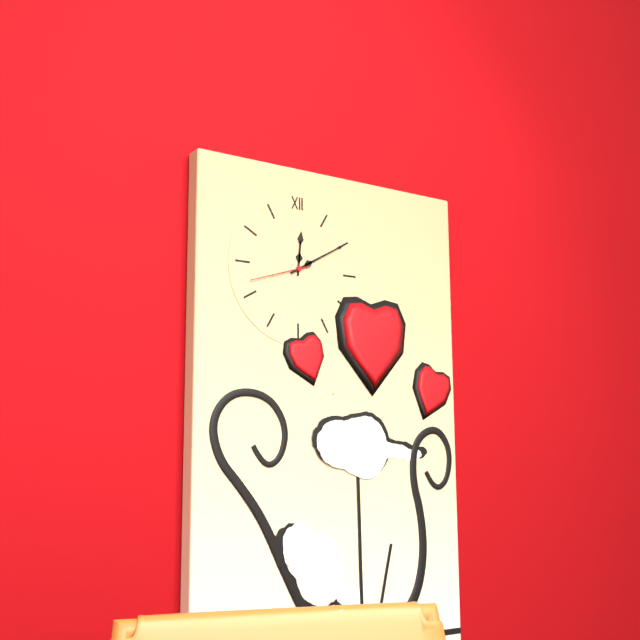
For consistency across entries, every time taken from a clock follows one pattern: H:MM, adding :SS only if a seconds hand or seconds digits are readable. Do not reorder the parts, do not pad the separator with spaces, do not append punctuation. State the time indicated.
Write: 12:10:42
